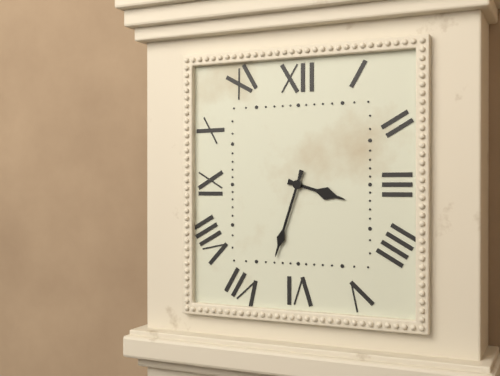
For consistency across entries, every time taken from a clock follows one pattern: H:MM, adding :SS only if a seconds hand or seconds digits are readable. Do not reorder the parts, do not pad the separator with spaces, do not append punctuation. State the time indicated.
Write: 3:33
